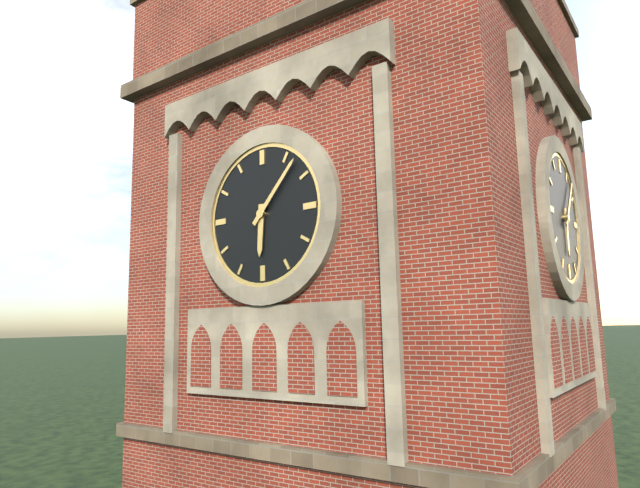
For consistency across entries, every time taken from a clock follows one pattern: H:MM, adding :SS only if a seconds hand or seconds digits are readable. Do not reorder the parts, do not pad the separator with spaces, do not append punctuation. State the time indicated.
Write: 6:07
